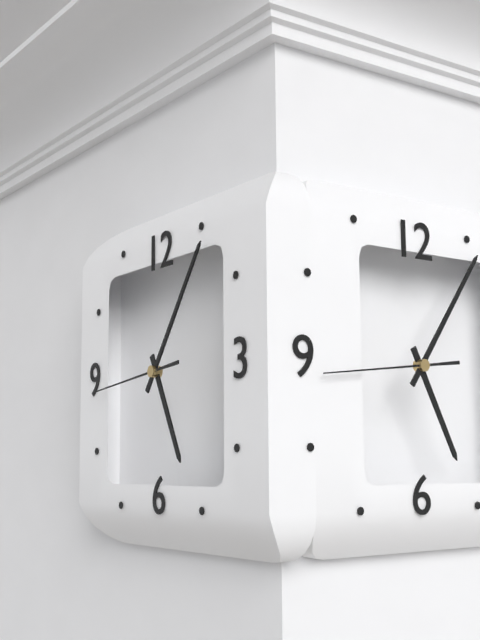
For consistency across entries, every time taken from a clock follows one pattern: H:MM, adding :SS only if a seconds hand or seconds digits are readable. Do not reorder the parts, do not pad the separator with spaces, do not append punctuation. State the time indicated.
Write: 5:06:44
